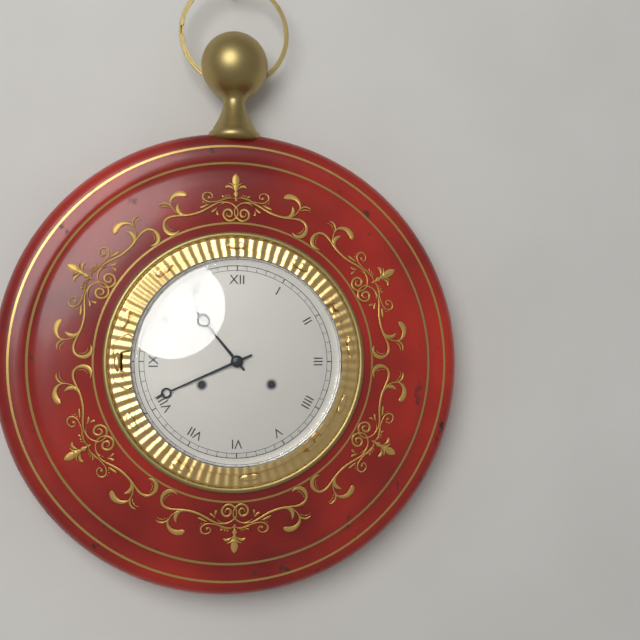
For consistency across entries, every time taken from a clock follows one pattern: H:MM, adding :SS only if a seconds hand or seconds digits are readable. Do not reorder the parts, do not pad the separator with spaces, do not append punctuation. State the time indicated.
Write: 10:41
